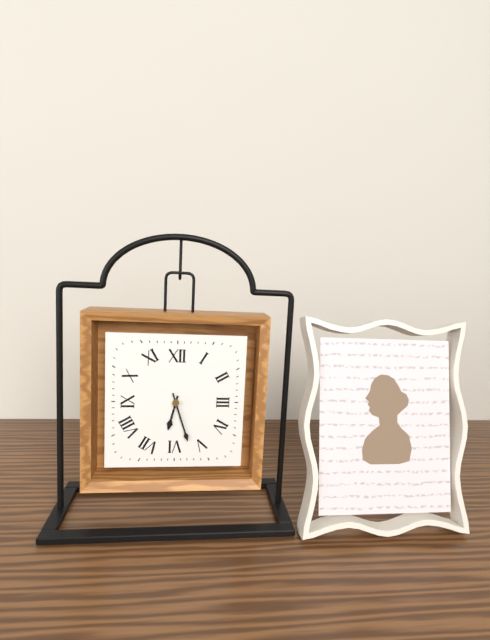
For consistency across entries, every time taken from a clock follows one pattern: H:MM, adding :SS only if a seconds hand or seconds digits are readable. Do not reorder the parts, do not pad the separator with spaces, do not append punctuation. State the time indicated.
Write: 6:27
